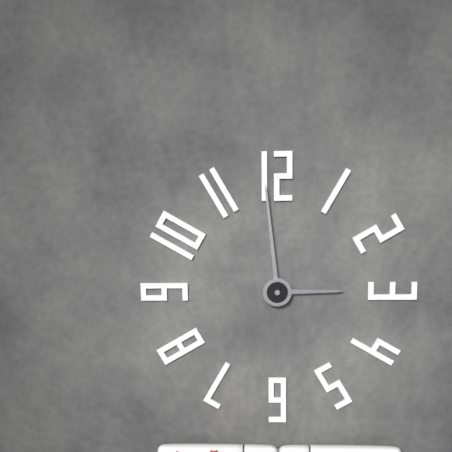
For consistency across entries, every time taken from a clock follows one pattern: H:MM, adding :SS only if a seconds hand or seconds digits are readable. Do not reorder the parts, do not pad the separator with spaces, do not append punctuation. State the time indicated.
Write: 2:59
